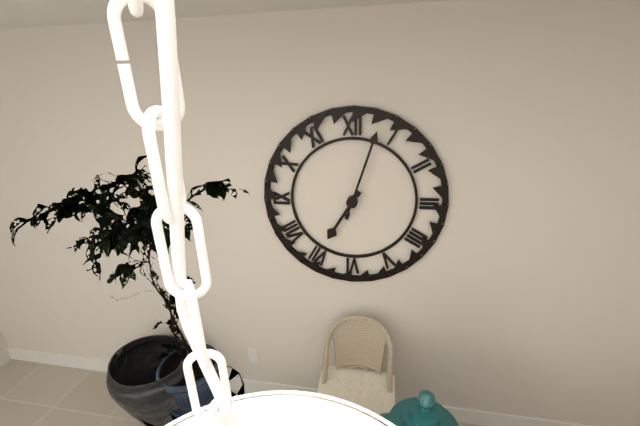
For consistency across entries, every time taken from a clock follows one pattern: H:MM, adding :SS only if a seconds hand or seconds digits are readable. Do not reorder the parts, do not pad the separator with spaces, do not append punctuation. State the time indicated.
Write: 7:03
